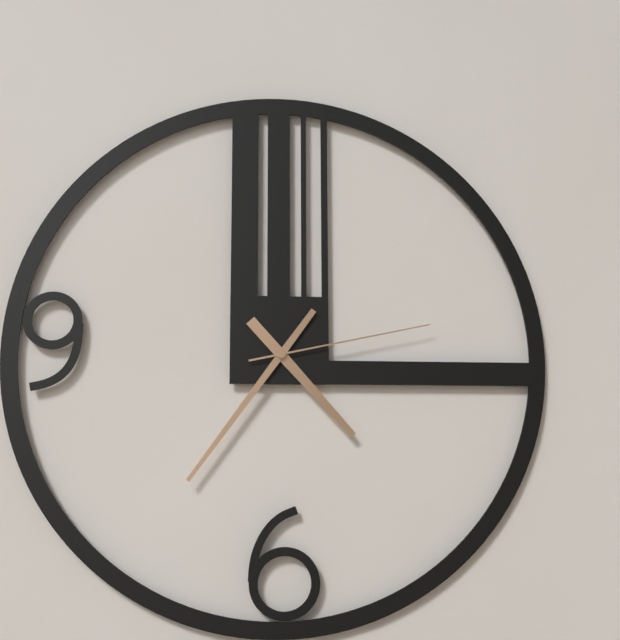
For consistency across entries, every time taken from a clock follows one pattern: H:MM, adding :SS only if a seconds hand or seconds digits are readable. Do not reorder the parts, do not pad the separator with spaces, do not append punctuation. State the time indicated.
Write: 4:36:13
